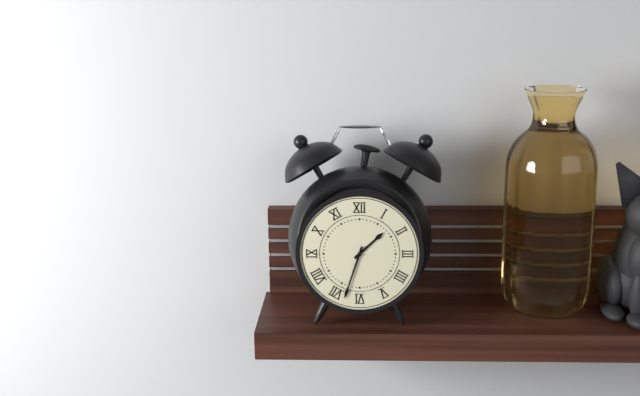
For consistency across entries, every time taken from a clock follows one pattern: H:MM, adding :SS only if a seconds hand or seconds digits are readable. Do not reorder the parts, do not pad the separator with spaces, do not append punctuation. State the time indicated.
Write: 1:33
